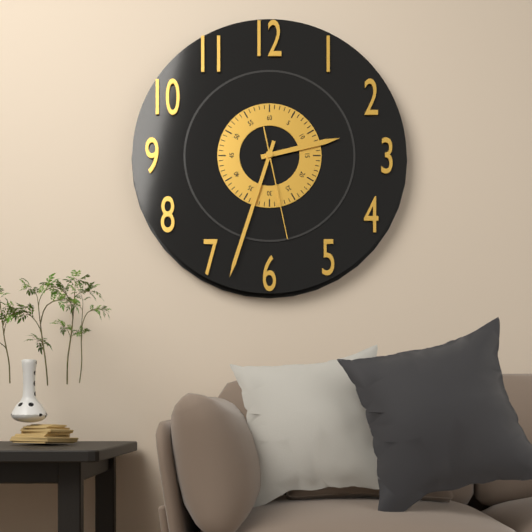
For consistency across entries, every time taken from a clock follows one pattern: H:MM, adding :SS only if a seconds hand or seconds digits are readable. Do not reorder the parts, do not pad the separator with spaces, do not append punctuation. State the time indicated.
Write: 2:33:28
